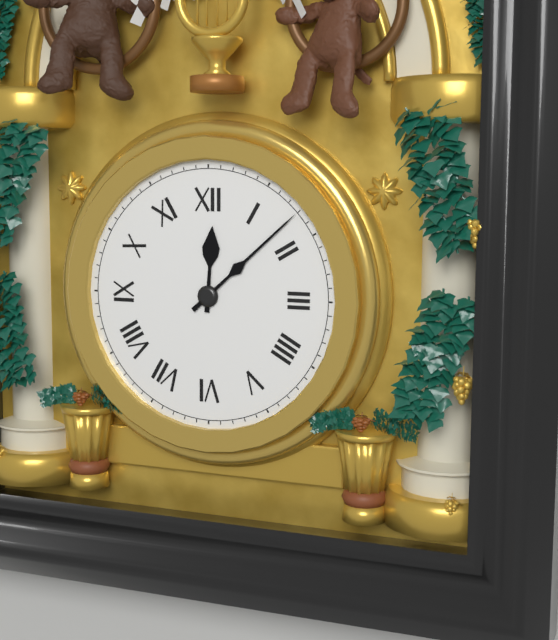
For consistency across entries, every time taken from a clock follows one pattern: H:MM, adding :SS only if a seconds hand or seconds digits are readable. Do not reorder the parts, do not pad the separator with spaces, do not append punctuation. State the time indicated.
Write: 12:08
